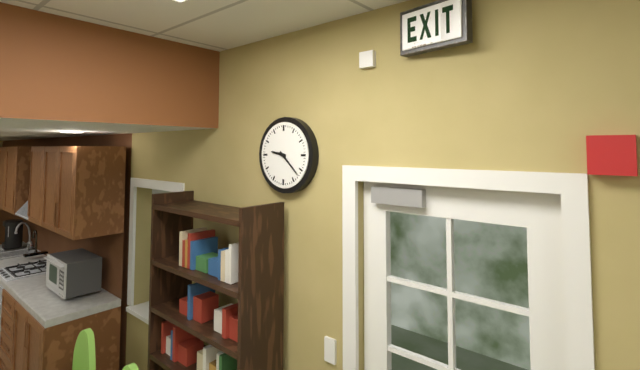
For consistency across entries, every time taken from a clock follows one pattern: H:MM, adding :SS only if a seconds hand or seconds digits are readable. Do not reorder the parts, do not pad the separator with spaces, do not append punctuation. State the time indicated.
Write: 9:22
